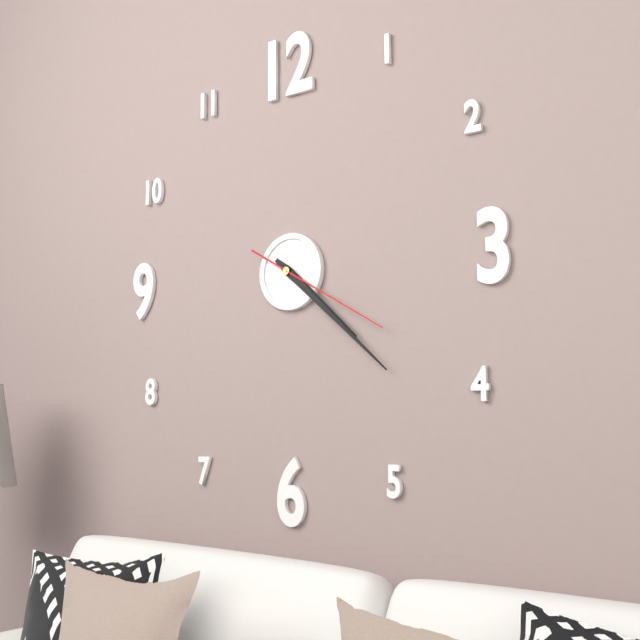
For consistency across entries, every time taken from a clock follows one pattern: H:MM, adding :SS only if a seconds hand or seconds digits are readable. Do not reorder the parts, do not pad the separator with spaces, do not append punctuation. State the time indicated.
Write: 4:22:20
